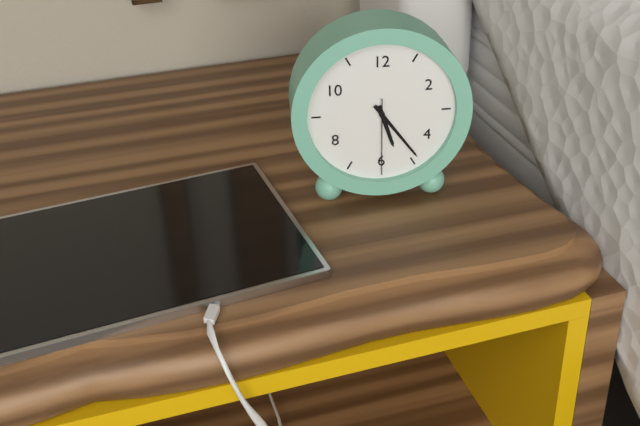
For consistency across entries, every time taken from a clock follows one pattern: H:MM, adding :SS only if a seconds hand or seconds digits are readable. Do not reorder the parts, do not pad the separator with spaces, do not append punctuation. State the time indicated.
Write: 5:24:30
